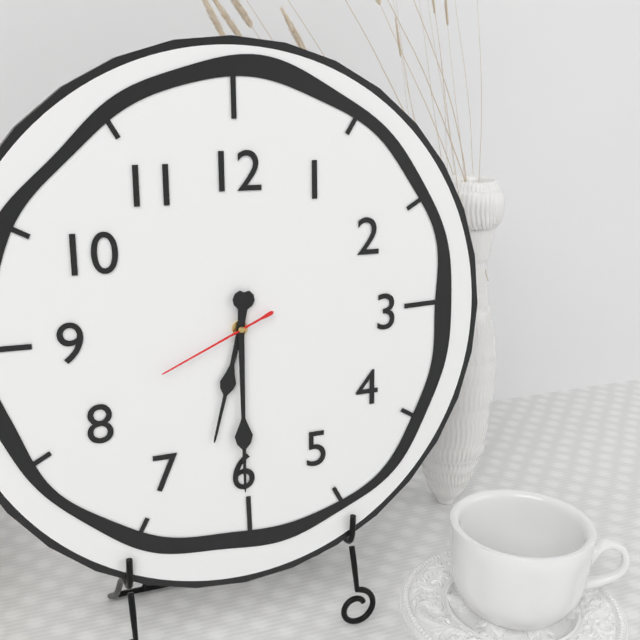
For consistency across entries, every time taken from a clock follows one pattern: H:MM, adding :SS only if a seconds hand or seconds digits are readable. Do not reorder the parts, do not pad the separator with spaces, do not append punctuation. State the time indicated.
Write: 6:30:41
